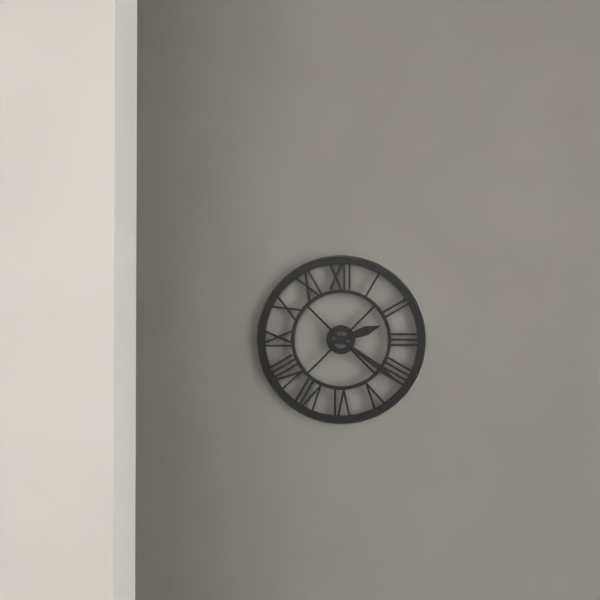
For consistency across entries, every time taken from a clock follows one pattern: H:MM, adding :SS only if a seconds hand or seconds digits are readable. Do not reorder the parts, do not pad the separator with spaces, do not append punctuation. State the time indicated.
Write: 2:21
